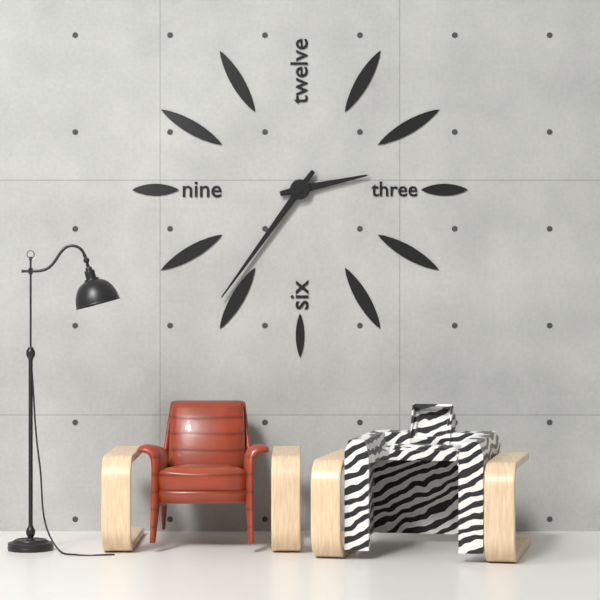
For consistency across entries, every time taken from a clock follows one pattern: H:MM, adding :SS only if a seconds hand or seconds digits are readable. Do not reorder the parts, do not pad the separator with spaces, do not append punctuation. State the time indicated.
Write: 2:36
